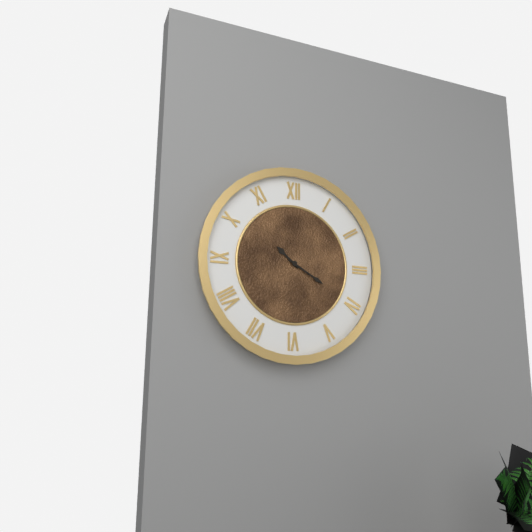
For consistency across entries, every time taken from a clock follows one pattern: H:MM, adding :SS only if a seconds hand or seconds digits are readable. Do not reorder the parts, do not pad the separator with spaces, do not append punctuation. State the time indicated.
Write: 10:20
